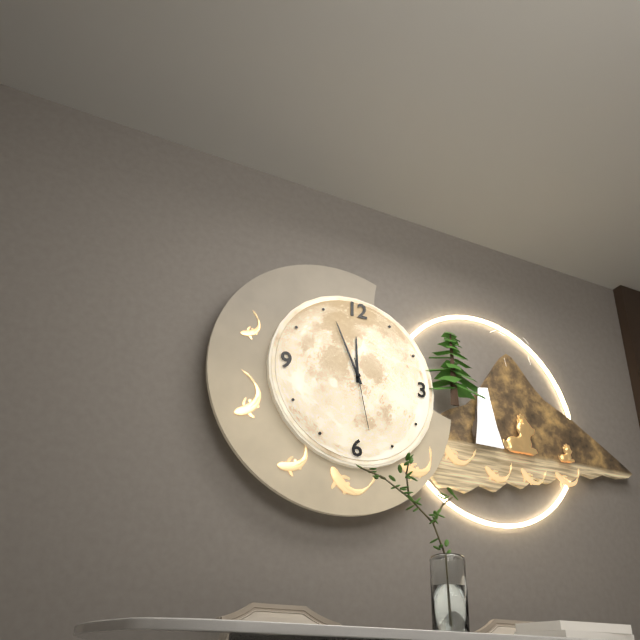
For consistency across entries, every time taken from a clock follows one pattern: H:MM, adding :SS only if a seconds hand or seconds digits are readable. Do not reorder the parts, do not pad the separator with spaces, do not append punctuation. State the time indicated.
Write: 11:56:28
